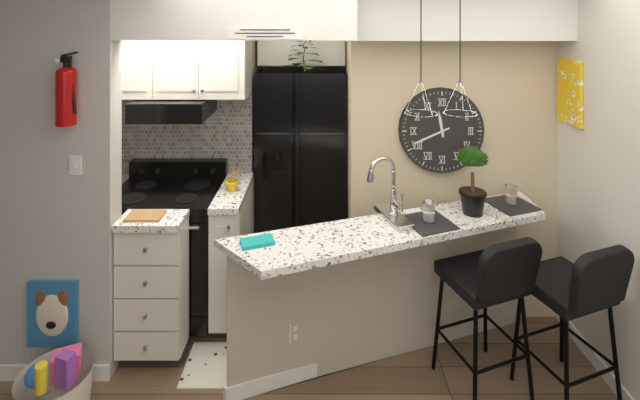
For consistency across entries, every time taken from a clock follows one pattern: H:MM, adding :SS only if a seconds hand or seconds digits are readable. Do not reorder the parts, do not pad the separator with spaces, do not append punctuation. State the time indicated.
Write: 11:41
